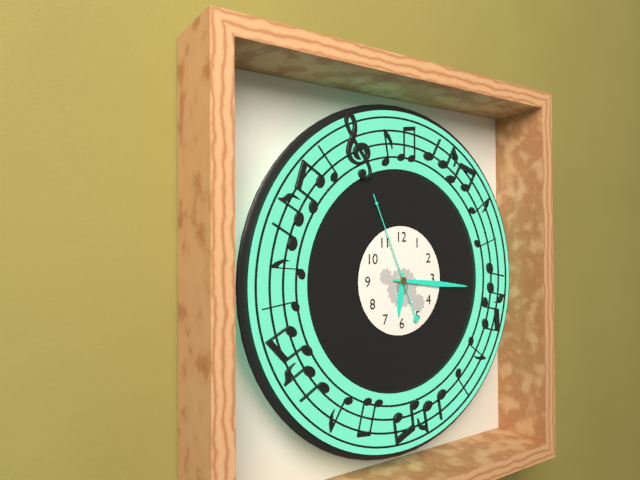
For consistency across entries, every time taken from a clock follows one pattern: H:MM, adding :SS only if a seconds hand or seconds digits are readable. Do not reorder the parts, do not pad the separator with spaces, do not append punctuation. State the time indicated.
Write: 6:16:56
